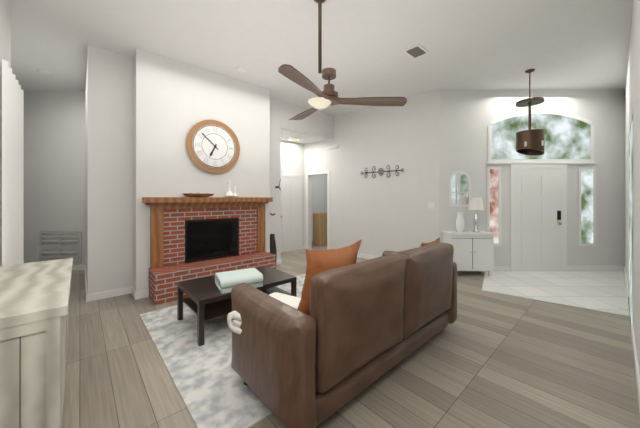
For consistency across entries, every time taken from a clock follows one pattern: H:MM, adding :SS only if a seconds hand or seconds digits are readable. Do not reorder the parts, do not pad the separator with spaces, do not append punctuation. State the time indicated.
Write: 6:52
